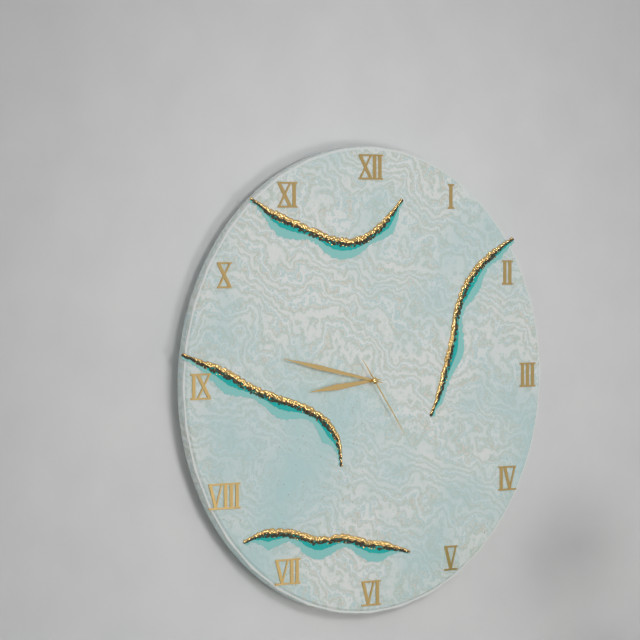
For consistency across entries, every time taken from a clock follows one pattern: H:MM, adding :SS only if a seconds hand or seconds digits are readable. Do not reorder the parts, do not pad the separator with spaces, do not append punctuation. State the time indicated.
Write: 8:47:24
